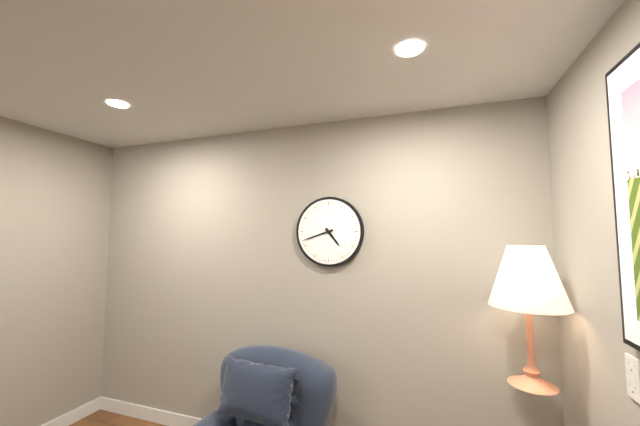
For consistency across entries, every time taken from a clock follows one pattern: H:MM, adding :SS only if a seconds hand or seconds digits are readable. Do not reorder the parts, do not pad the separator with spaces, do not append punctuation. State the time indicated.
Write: 4:42
